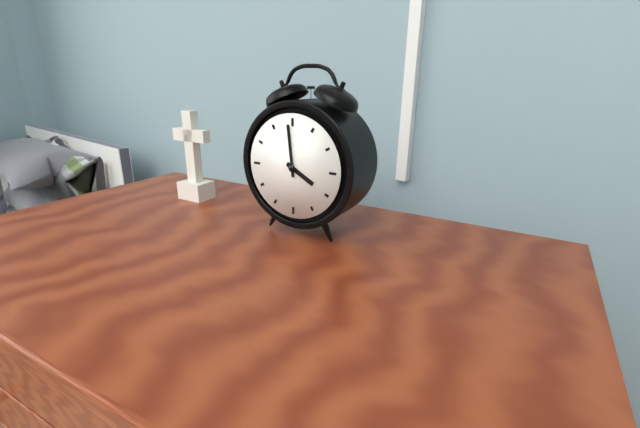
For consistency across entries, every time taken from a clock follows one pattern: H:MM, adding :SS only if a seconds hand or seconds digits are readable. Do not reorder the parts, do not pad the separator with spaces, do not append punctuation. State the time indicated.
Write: 3:59
